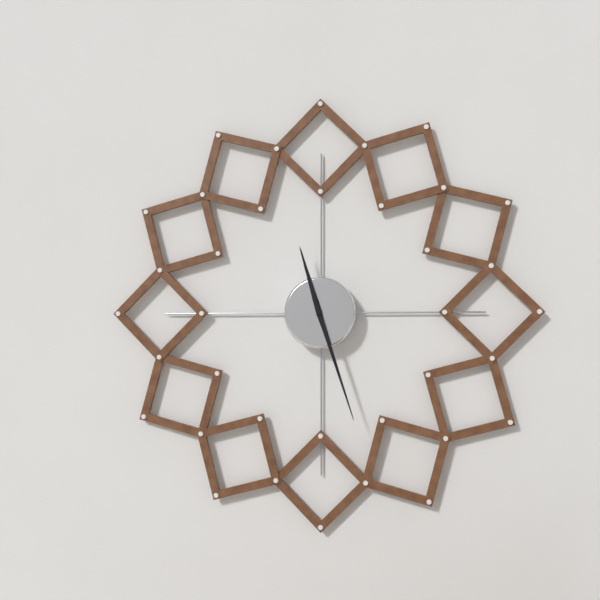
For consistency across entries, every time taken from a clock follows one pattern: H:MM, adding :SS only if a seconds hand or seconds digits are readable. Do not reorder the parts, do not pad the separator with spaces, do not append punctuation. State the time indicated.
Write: 11:27
